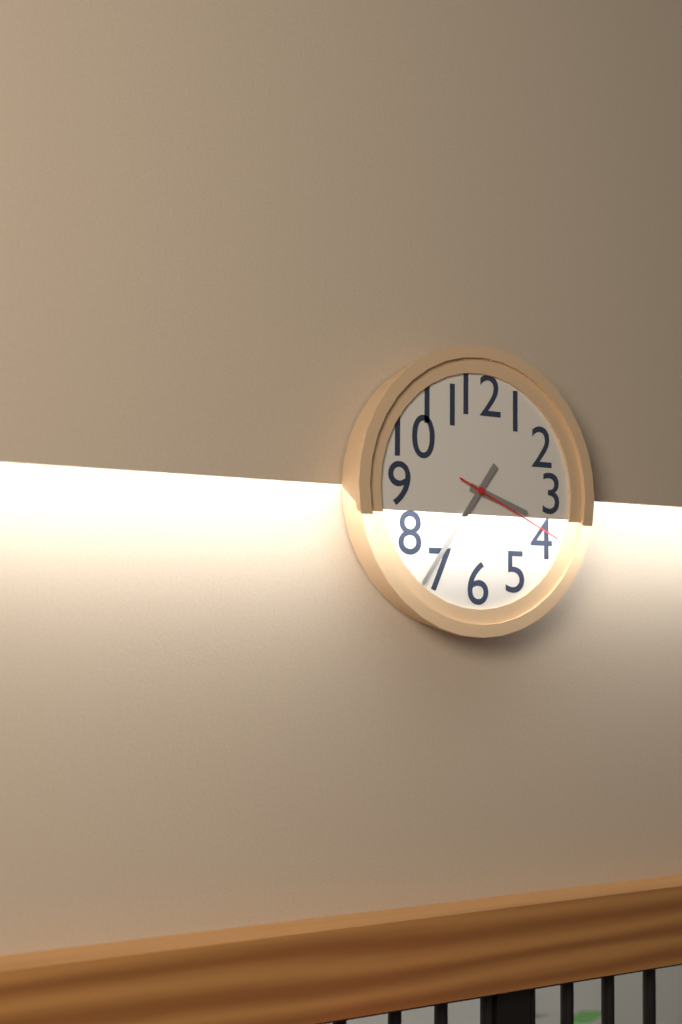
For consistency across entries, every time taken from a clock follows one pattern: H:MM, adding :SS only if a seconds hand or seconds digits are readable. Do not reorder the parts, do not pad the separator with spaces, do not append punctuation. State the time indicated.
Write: 3:36:19
